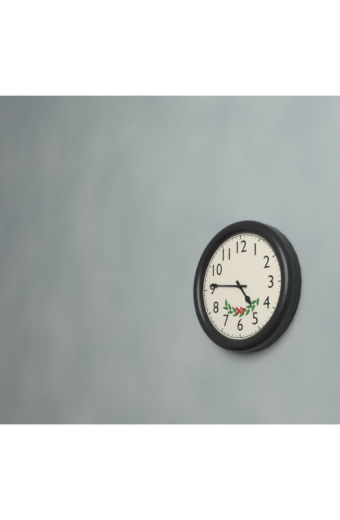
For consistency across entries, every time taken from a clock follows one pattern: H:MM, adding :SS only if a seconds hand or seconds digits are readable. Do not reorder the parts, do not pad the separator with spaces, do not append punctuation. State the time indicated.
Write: 4:46
